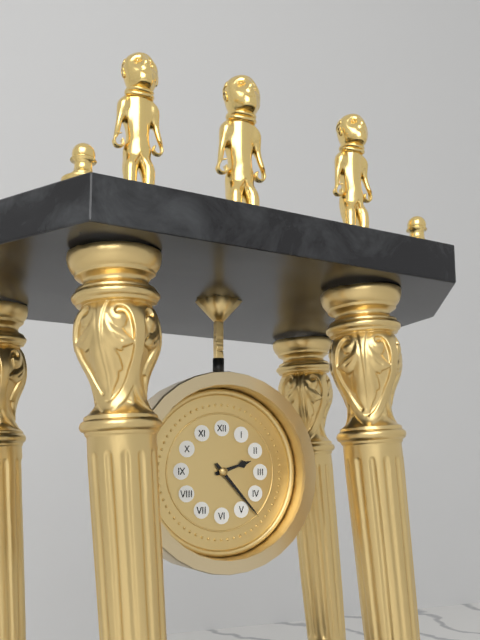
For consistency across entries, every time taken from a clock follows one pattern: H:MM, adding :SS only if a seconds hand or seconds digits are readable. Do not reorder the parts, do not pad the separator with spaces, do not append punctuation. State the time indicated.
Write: 2:23
